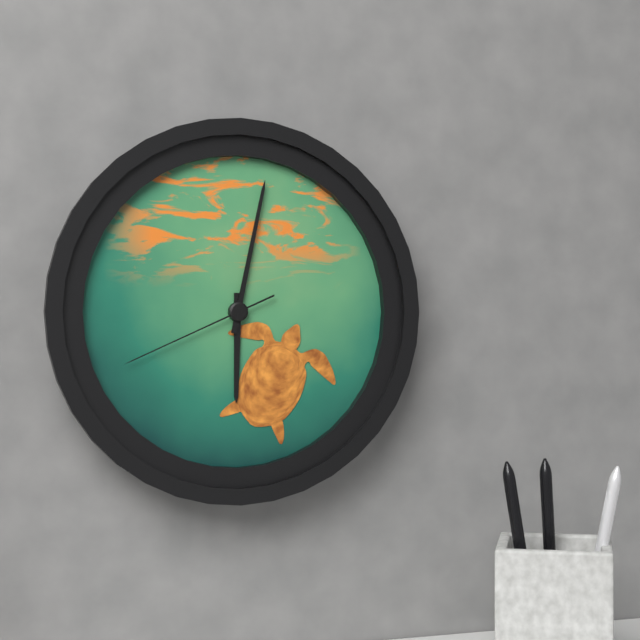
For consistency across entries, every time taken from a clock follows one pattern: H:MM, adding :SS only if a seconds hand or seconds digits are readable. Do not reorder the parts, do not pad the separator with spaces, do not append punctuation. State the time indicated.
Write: 6:02:41
